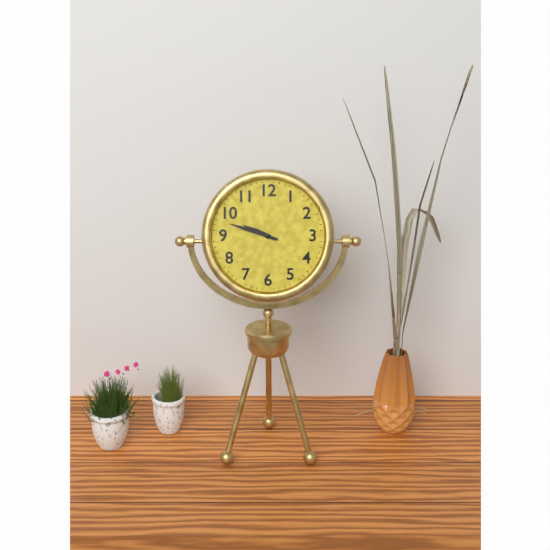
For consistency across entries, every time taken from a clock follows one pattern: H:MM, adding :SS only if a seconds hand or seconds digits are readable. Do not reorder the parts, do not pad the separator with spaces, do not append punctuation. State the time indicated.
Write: 9:48
